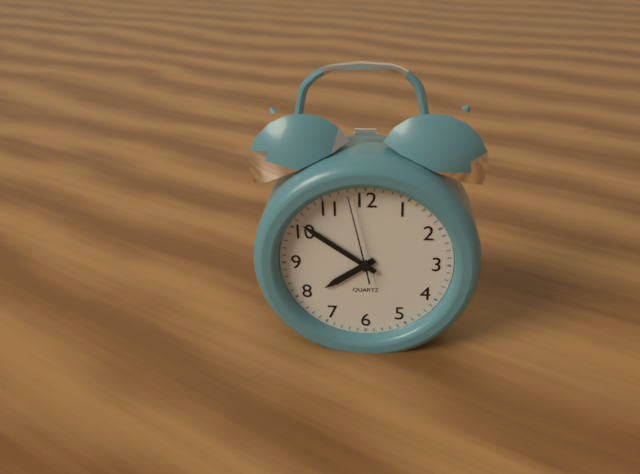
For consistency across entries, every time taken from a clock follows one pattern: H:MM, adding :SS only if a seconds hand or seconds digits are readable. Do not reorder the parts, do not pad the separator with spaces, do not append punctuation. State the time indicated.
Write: 7:51:58
